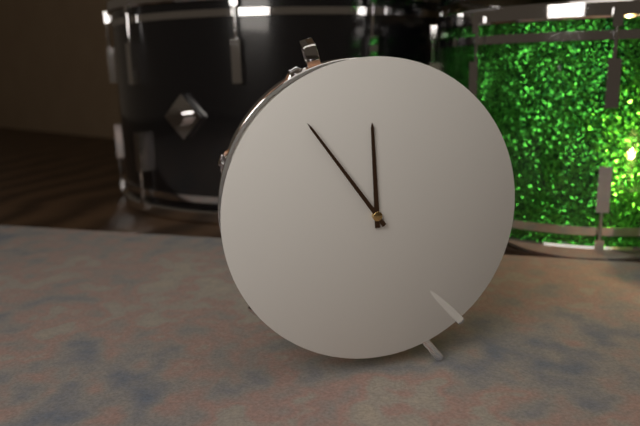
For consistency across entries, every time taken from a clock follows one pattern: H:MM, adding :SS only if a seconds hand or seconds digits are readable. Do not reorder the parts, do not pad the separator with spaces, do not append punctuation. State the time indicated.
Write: 11:54
